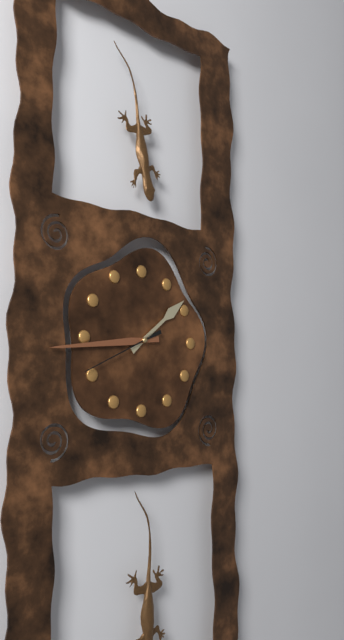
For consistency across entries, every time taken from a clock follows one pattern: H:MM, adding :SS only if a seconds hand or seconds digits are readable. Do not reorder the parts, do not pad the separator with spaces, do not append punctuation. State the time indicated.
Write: 1:44:41
